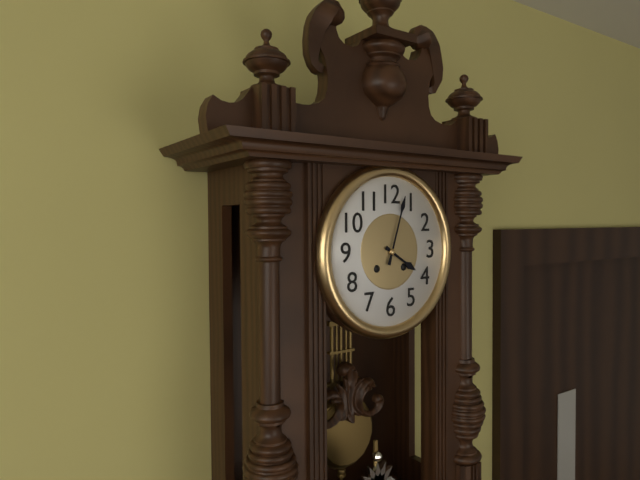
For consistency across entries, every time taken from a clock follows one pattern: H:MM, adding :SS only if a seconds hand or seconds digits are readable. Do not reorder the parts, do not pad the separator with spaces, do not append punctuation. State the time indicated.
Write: 4:03
